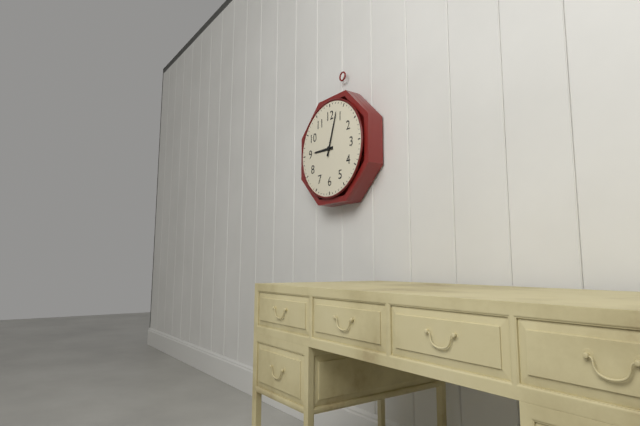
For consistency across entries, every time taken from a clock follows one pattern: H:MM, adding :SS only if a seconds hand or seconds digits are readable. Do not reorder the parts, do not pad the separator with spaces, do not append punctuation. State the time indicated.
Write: 9:03
